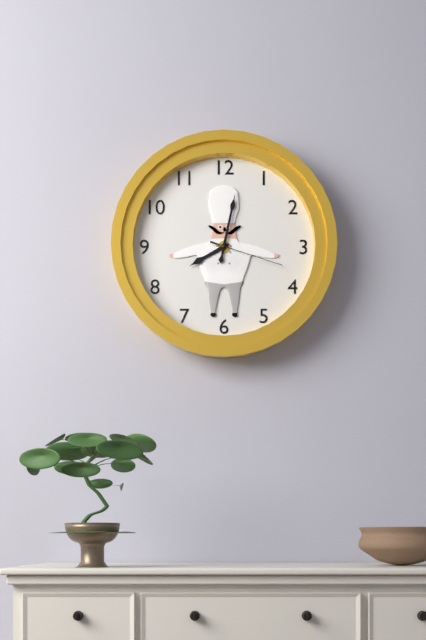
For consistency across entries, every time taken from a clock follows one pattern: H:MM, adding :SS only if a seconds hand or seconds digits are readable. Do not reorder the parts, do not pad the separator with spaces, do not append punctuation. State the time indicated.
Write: 8:02:18
